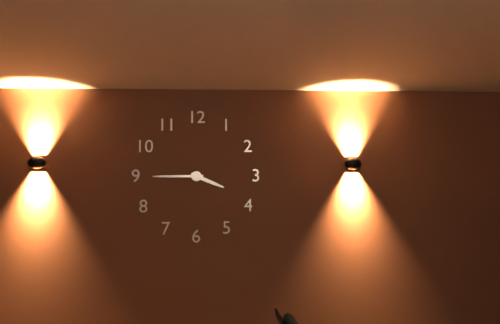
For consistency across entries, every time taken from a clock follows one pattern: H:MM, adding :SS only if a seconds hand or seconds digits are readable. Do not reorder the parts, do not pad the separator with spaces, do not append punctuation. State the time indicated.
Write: 3:45
